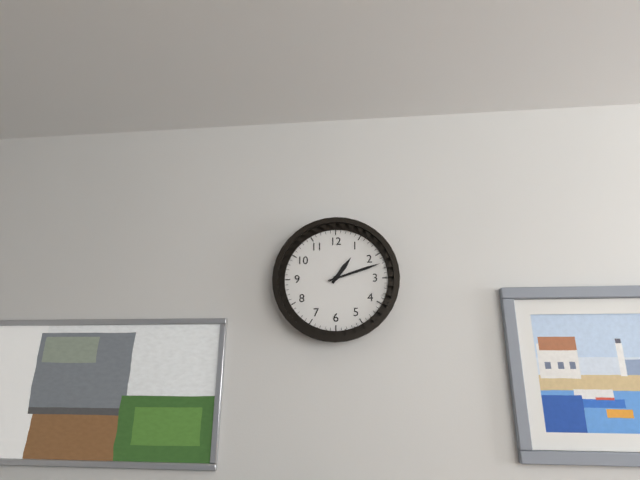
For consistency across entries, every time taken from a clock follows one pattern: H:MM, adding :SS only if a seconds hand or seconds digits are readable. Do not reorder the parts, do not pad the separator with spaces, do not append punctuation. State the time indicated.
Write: 1:12
